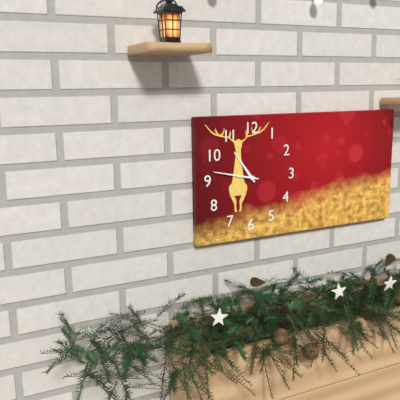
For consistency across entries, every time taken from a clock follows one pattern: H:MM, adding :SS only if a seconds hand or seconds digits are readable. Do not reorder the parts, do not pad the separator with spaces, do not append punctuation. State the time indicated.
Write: 10:47
